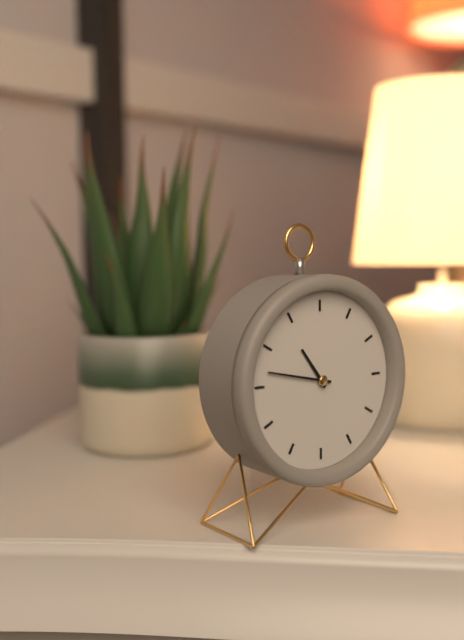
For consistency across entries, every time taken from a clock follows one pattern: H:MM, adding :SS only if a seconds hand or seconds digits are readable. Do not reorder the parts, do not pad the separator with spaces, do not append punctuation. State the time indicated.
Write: 10:47
